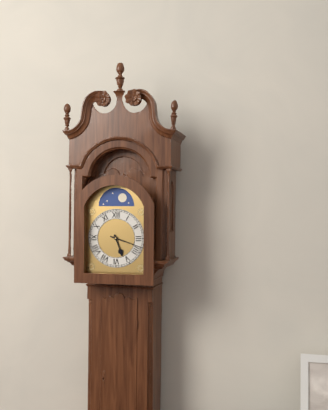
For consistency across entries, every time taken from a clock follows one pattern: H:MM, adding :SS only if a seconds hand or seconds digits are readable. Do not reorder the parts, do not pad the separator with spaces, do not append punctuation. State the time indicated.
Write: 5:18
